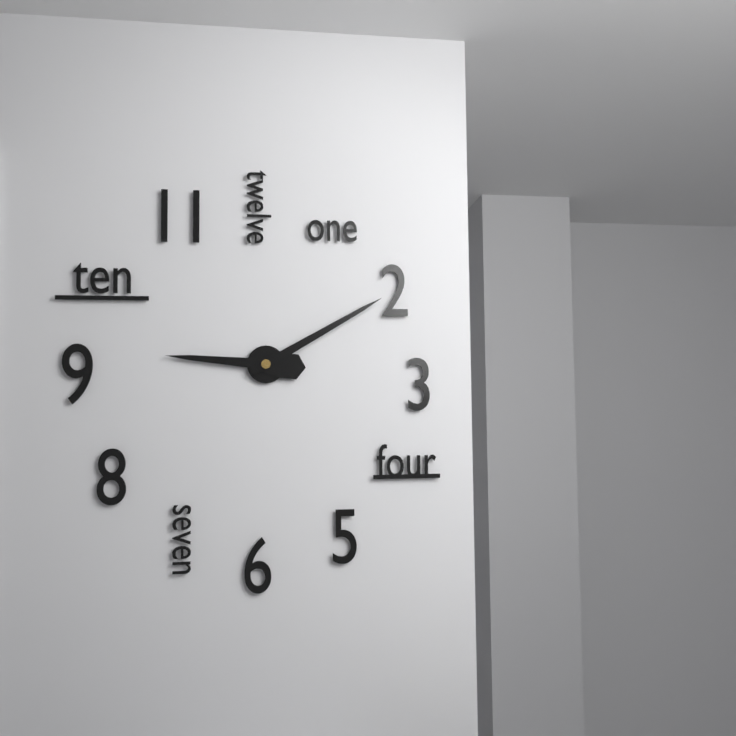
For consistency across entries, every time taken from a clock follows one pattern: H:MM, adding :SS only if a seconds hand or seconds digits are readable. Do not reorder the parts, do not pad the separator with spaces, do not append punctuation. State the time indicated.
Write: 9:10
